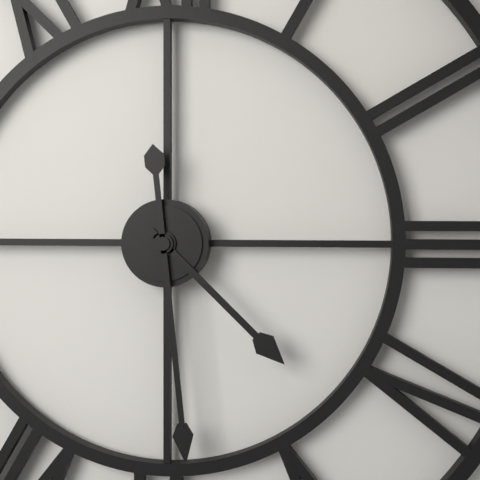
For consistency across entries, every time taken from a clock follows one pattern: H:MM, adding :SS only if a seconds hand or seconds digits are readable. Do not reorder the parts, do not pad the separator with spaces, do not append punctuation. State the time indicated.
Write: 4:29
